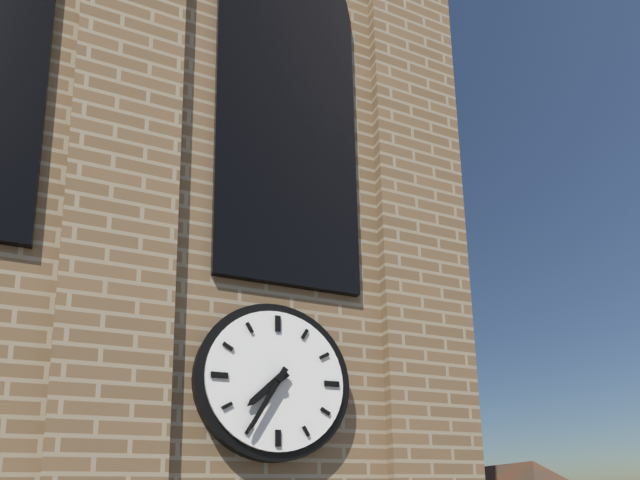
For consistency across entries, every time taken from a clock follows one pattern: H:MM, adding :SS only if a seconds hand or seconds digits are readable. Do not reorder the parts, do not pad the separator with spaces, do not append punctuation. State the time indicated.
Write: 7:35
